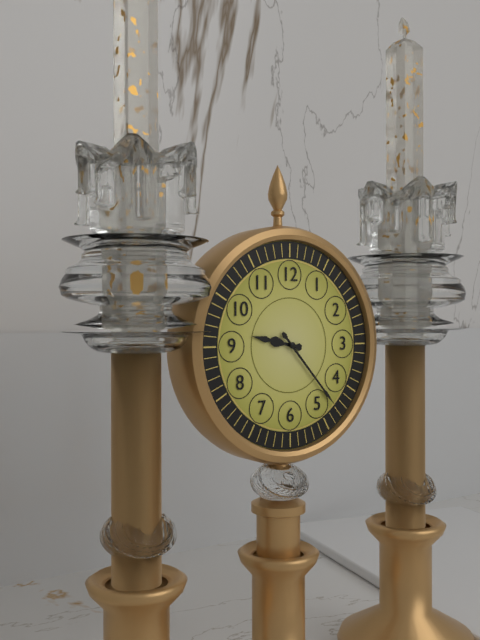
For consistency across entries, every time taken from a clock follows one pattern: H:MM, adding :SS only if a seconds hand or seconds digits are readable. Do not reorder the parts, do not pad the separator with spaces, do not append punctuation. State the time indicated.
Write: 9:23
